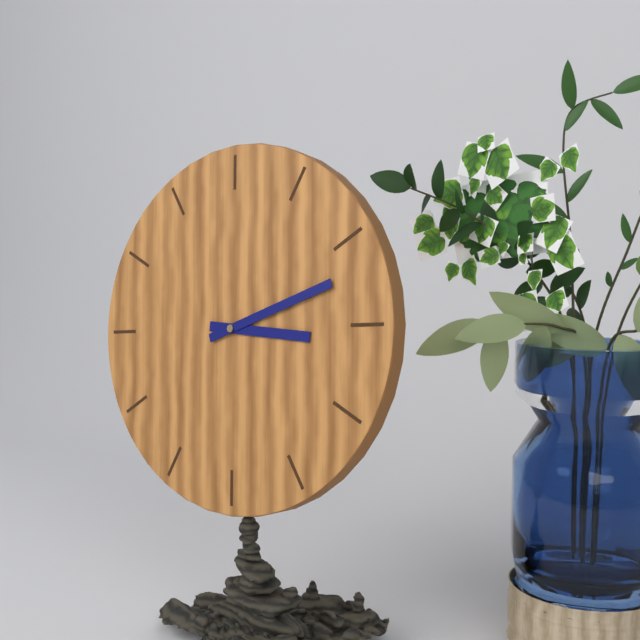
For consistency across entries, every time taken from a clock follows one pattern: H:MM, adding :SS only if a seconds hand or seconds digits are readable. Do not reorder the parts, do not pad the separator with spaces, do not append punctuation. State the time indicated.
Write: 3:12
